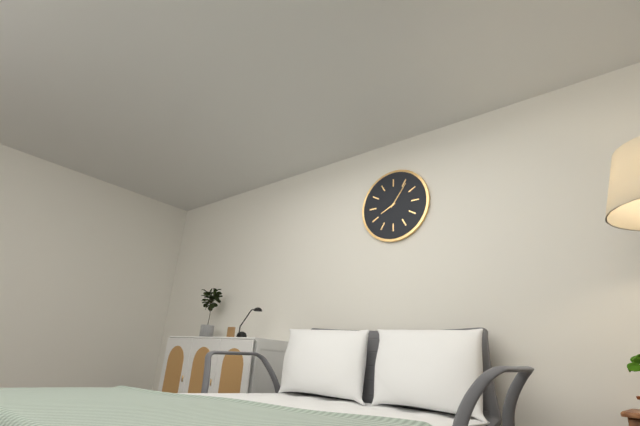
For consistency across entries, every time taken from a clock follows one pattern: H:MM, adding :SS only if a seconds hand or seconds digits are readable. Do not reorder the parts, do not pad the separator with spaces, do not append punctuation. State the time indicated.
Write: 8:06
